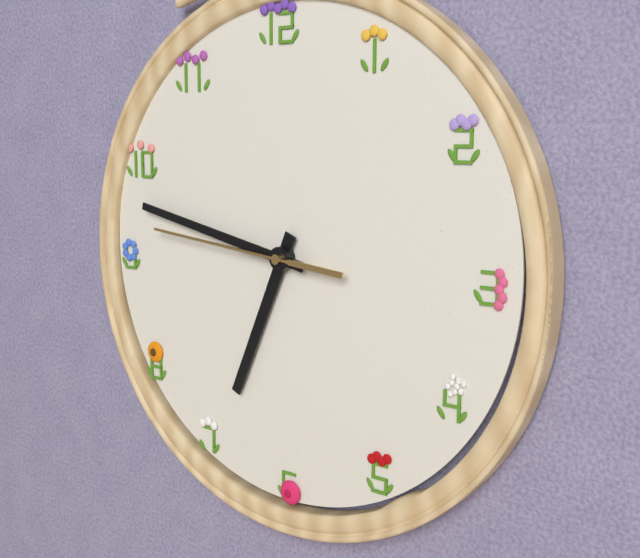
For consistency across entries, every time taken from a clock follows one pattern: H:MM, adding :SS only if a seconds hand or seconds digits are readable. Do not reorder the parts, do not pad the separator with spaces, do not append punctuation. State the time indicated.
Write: 6:47:46
